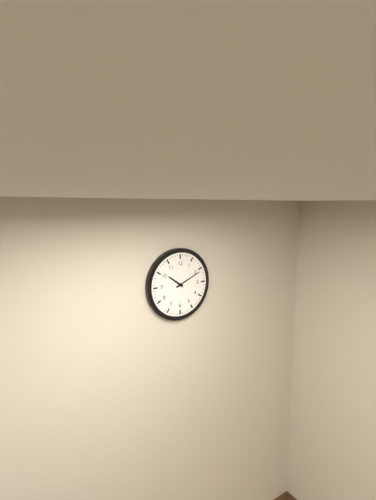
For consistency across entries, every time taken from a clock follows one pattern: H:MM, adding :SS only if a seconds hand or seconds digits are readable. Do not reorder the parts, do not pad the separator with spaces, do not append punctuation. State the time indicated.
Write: 10:11
